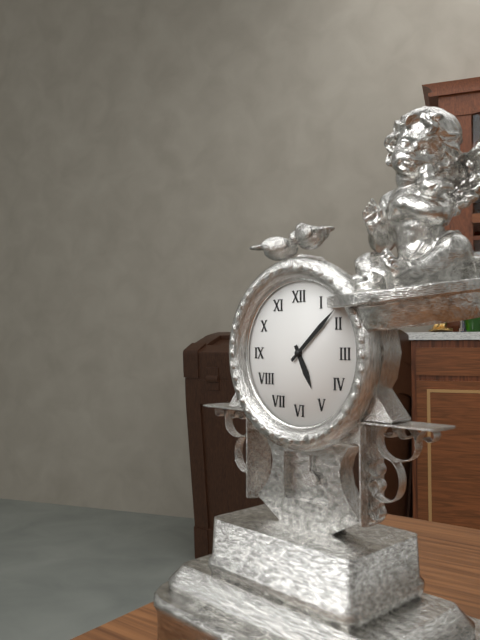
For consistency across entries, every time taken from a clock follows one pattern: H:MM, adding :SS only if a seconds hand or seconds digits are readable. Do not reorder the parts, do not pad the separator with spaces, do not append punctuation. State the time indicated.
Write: 5:08
